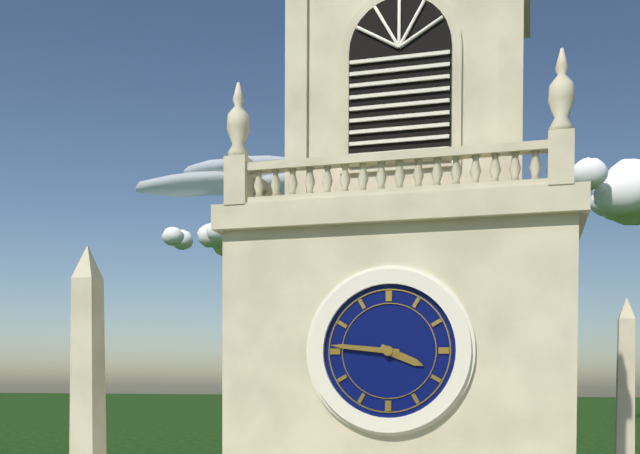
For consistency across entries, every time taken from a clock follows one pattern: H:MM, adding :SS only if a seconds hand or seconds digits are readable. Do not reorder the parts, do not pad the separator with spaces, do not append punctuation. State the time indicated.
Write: 3:46
